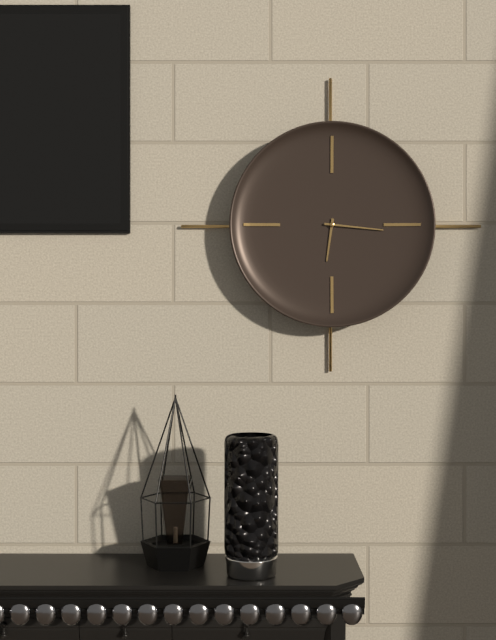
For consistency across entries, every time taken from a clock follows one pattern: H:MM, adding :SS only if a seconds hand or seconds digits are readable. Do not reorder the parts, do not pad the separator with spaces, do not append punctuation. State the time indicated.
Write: 6:16
